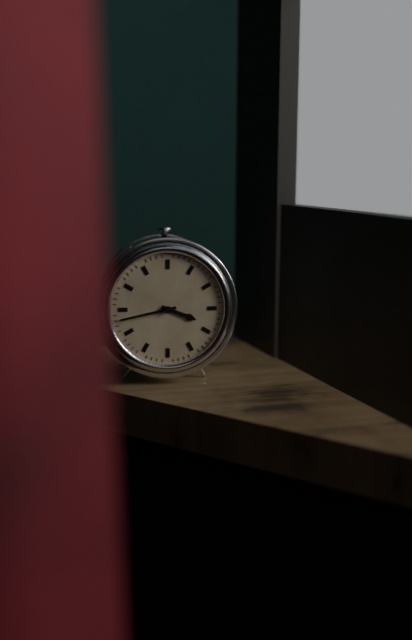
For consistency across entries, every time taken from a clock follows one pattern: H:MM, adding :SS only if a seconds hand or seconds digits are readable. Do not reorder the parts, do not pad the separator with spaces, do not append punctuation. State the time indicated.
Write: 3:43
